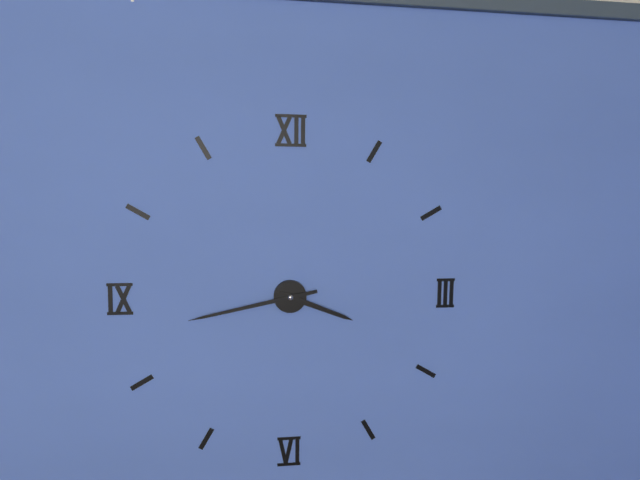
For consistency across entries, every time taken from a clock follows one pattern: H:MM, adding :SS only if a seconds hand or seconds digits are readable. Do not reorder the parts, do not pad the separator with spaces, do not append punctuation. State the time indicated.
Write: 3:43
